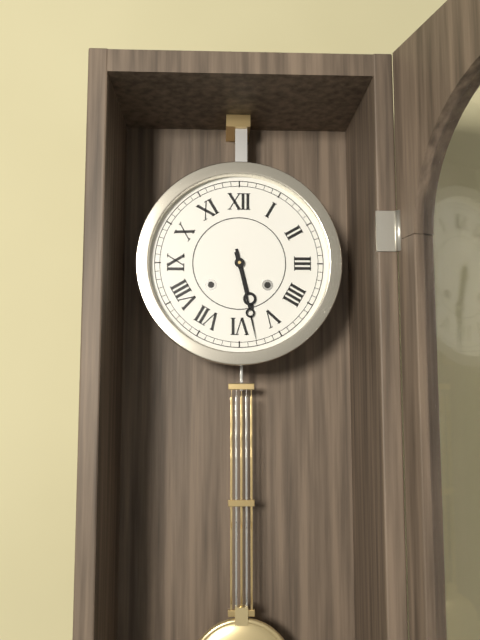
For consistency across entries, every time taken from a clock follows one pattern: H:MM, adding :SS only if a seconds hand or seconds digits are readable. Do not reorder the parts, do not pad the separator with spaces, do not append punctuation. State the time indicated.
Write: 5:28
